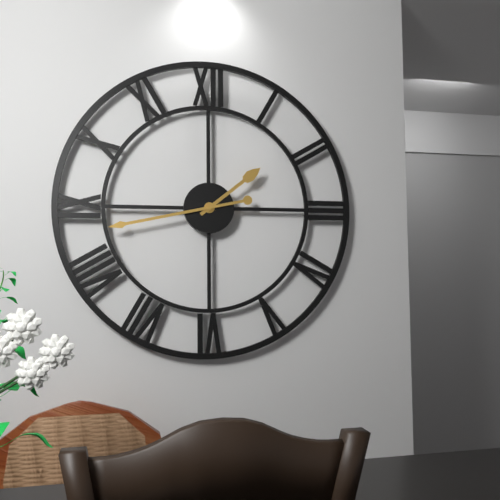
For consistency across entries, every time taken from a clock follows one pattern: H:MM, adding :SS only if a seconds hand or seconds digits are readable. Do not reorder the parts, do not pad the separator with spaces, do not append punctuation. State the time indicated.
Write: 1:43
